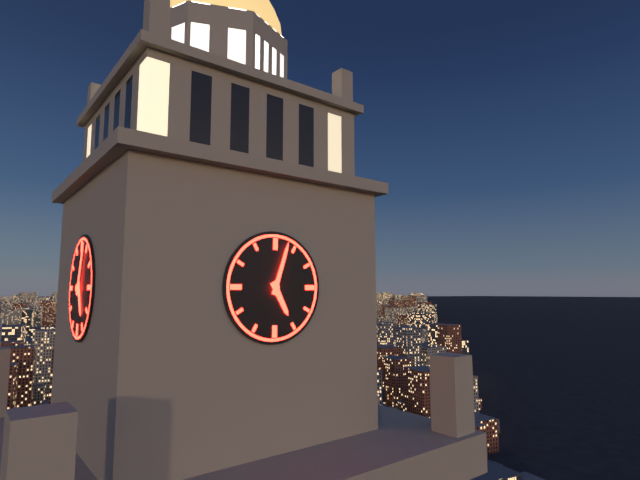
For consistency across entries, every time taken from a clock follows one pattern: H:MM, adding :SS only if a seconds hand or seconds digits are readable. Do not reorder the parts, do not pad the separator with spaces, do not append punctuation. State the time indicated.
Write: 5:03
